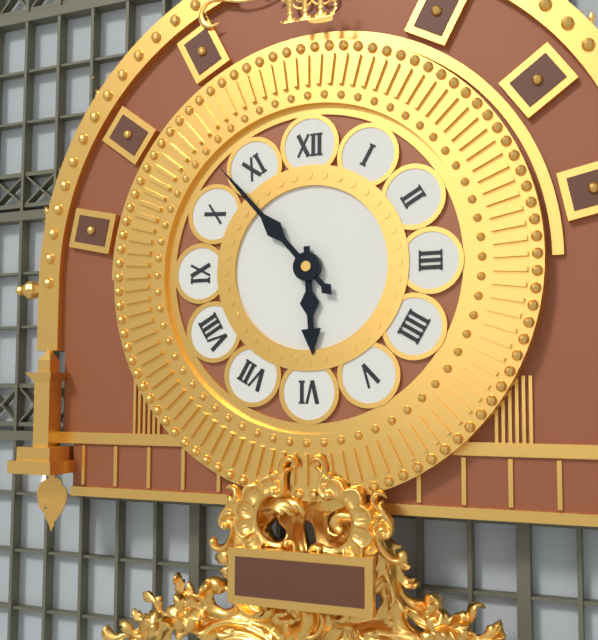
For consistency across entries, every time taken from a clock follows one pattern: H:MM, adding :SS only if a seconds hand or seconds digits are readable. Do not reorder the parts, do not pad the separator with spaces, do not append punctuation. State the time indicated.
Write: 5:53
